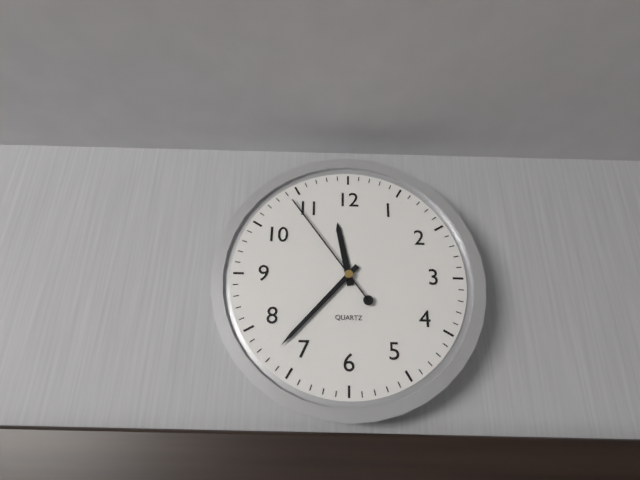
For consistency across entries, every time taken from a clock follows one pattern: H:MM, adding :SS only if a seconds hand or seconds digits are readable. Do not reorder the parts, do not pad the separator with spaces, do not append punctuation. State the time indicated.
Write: 11:37:54
